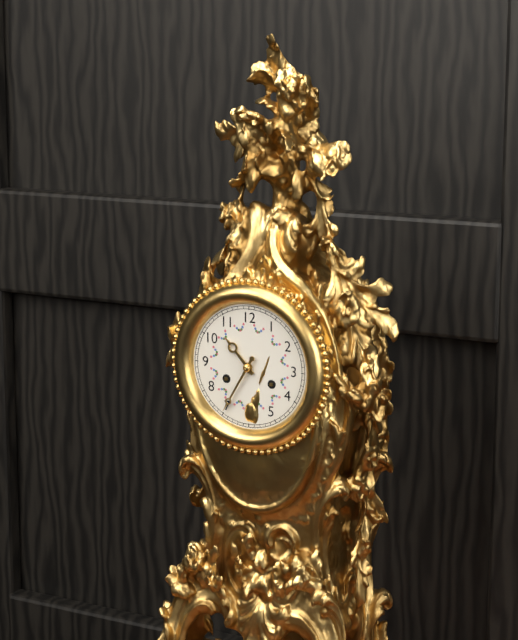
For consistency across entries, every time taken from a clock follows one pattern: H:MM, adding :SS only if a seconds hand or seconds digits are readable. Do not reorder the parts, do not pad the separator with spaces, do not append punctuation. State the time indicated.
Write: 10:35
